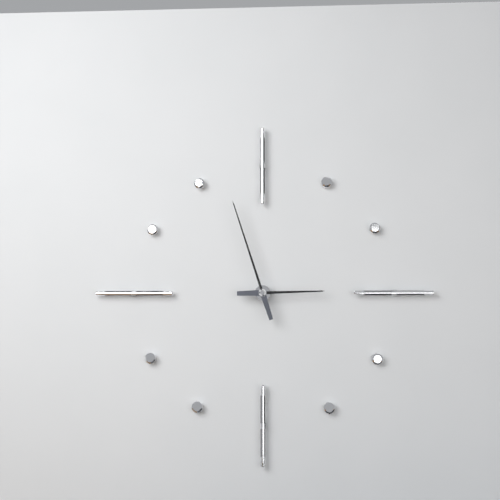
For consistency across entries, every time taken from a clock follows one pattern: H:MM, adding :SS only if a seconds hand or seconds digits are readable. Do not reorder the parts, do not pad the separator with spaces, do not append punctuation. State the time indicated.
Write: 2:57
